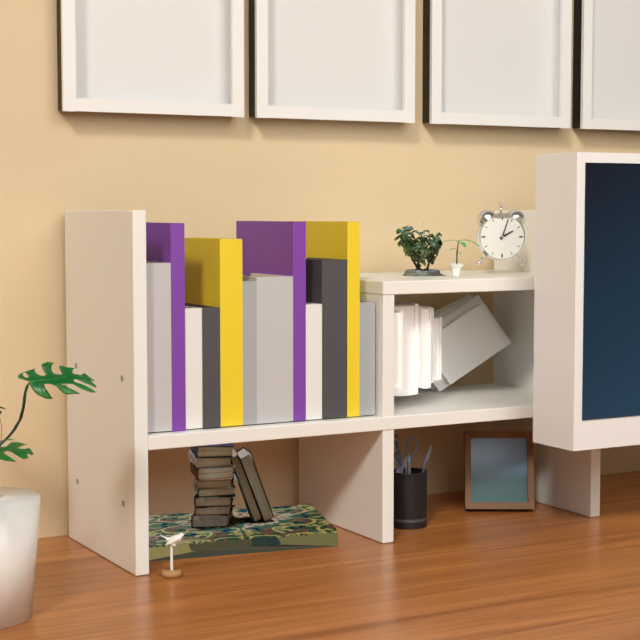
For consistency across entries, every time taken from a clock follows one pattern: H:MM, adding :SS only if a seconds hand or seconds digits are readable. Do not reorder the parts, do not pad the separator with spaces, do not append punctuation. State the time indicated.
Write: 2:03
